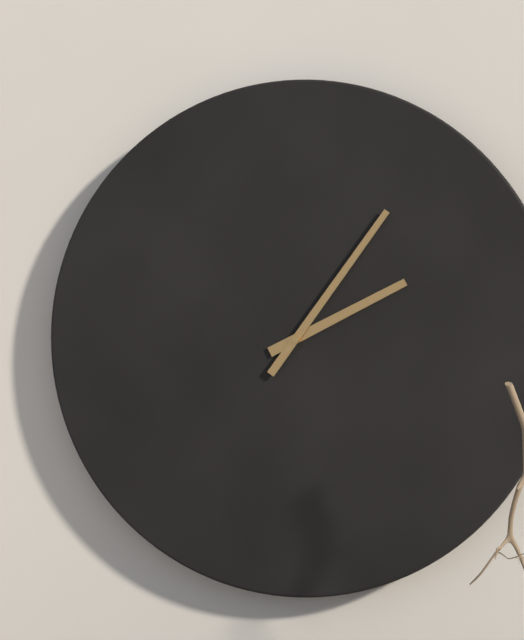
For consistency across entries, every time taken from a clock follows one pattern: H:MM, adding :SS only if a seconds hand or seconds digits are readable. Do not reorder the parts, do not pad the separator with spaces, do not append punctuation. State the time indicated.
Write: 2:06
